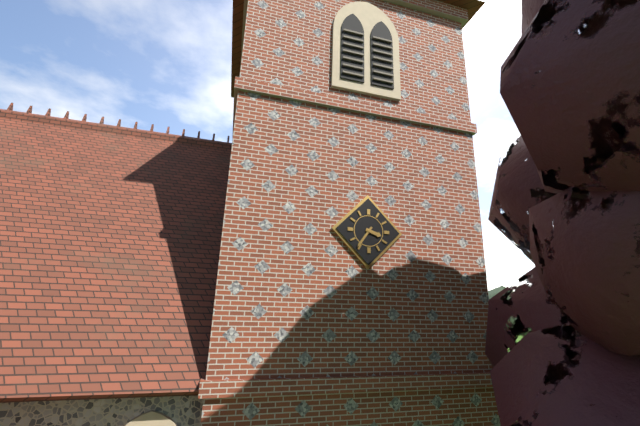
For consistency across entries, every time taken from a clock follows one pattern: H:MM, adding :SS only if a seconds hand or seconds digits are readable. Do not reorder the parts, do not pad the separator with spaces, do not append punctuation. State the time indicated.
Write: 3:36
